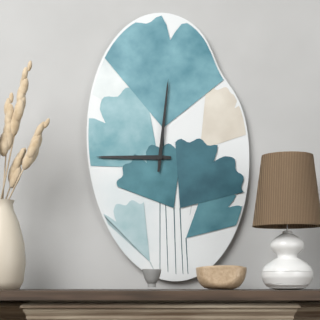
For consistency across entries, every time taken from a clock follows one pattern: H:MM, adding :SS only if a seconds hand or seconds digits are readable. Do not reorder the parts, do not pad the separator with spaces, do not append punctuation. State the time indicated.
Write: 9:01
